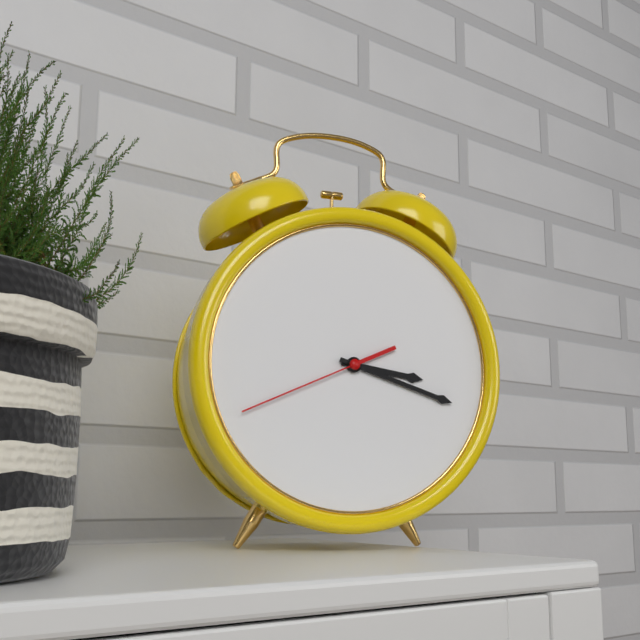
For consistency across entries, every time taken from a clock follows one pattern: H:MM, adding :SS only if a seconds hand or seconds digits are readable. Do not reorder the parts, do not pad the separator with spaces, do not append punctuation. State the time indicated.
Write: 3:18:41
